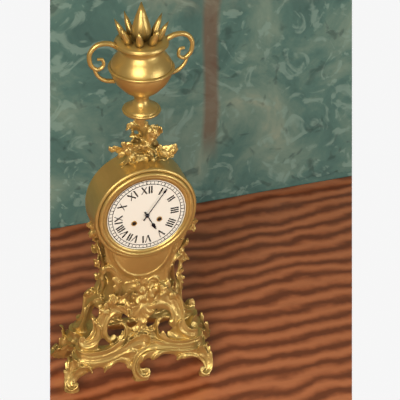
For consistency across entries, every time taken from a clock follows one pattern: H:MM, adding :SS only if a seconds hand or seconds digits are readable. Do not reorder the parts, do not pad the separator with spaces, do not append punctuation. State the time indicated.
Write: 5:06
